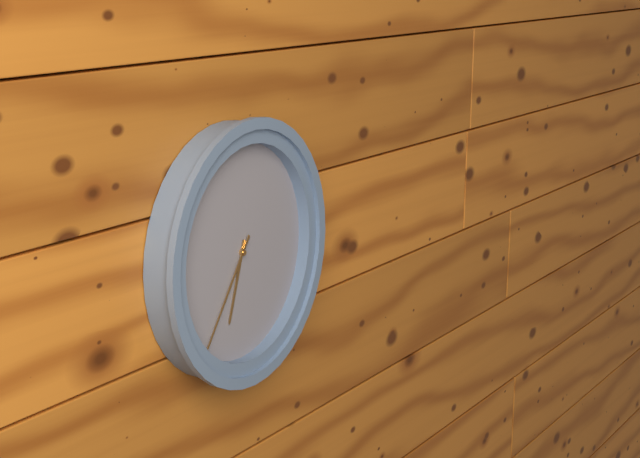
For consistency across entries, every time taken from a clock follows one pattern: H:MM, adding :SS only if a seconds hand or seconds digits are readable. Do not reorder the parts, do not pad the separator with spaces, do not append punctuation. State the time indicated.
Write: 6:36
